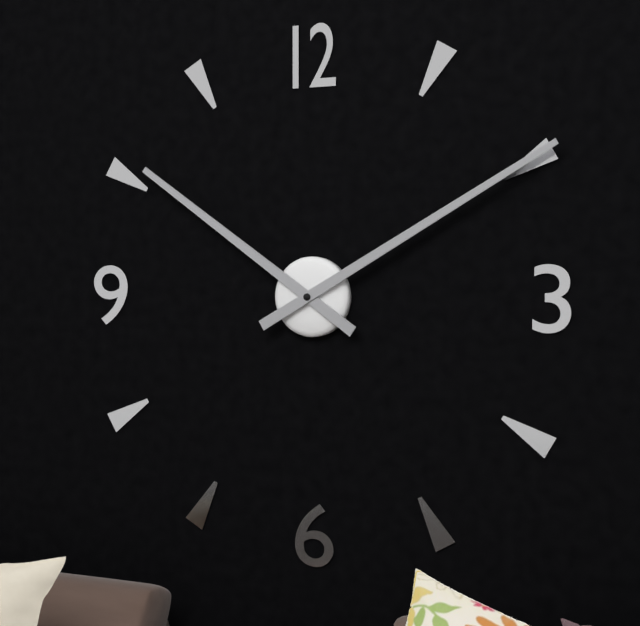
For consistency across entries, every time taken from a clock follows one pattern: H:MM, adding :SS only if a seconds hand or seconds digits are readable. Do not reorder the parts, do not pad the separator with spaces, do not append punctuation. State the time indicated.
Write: 10:10
